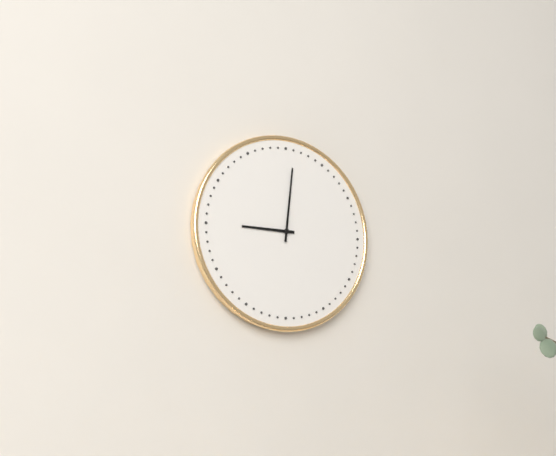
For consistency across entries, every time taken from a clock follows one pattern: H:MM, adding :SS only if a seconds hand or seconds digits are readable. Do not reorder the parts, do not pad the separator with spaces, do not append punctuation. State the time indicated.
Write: 9:01
